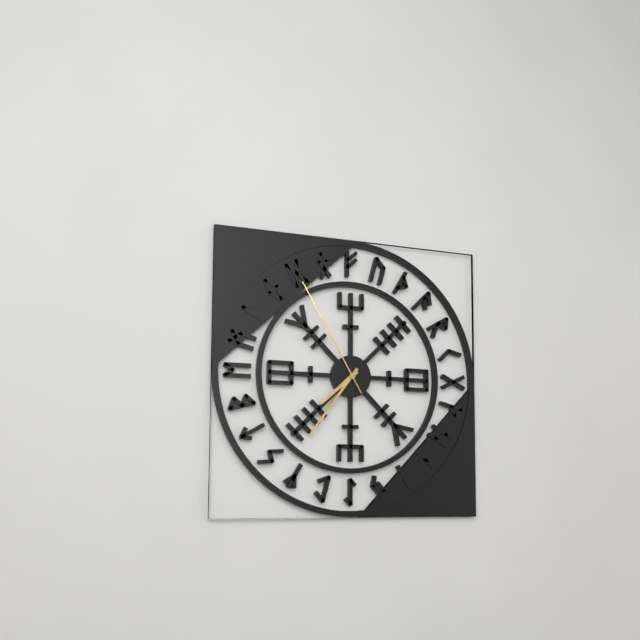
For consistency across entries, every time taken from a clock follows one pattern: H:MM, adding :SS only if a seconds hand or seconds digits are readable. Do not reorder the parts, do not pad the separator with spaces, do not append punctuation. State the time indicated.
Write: 7:36:55
